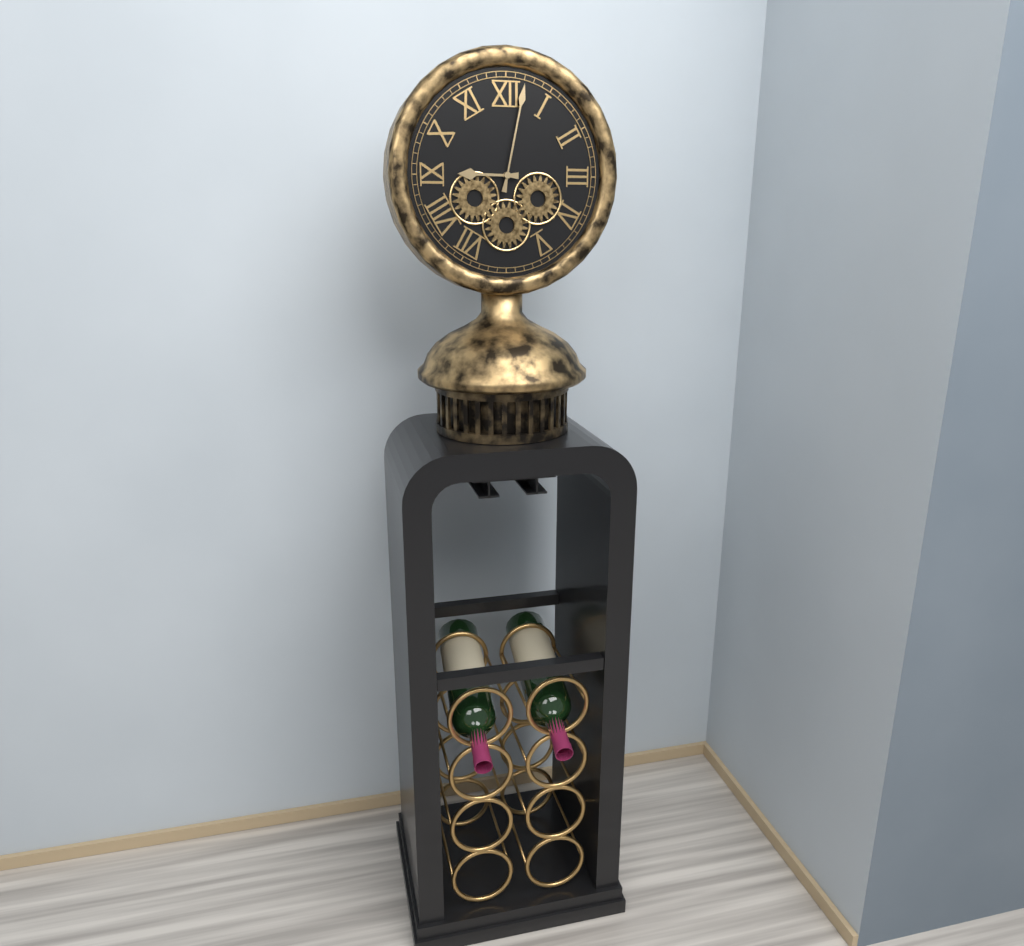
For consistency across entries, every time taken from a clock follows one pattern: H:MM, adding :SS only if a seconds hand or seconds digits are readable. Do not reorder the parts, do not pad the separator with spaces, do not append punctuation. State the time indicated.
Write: 9:02
